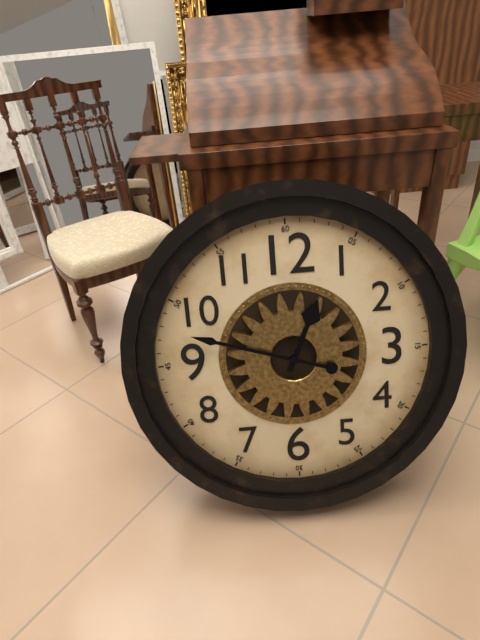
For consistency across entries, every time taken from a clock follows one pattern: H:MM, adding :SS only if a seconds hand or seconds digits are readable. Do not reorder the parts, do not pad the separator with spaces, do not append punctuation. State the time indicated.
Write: 12:48
